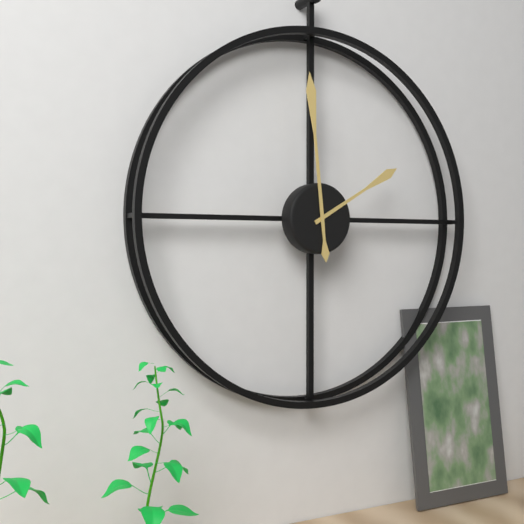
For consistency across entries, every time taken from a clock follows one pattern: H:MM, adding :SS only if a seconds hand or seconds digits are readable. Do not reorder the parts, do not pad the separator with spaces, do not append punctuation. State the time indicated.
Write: 1:59
